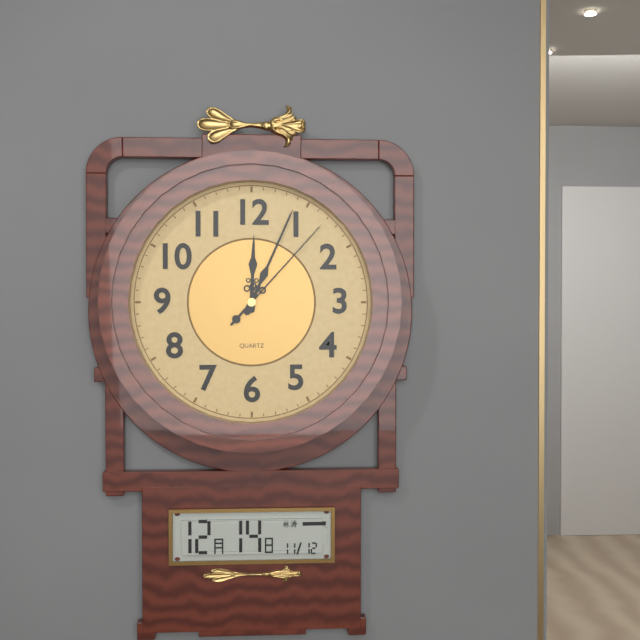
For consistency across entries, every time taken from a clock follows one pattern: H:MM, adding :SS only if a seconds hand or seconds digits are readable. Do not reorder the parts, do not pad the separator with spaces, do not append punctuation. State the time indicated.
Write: 12:04:07
